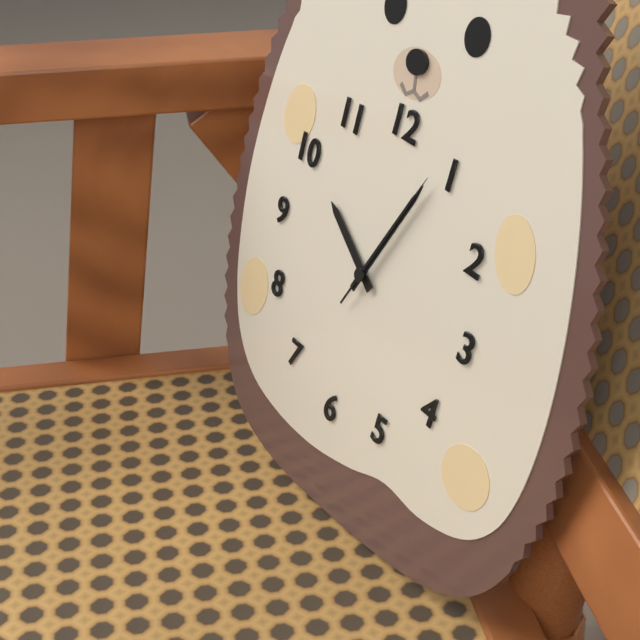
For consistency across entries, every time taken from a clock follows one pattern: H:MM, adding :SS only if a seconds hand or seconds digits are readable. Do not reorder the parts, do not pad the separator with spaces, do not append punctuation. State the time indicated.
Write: 10:04:04
